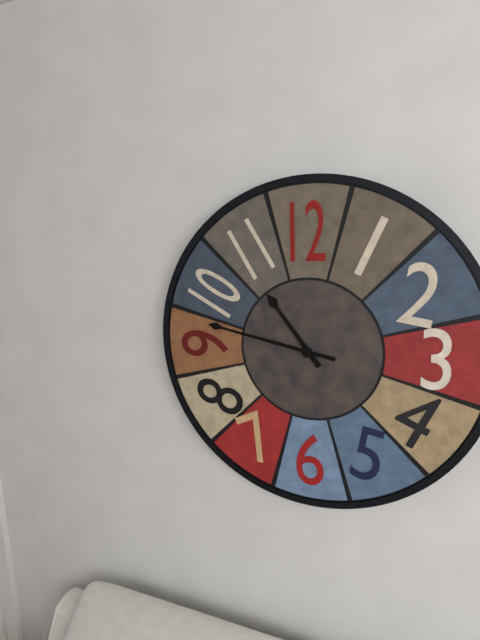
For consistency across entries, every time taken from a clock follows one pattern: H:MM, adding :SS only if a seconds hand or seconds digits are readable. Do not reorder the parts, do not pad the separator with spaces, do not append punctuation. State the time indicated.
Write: 10:47
